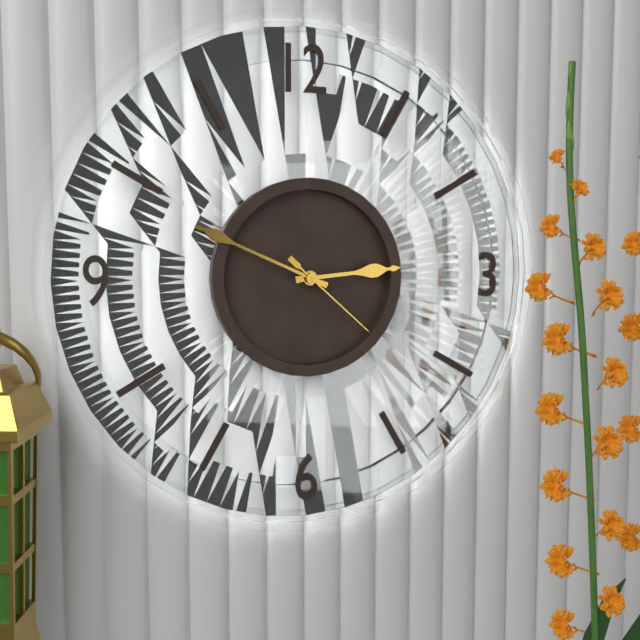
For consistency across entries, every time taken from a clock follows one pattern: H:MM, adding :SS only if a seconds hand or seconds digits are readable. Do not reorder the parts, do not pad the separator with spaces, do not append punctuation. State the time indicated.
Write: 2:49:22
